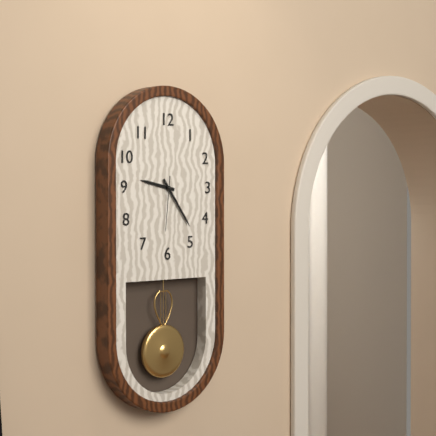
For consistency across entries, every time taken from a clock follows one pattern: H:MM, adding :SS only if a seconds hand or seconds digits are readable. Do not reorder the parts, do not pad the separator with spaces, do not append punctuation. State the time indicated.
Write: 9:24:31
